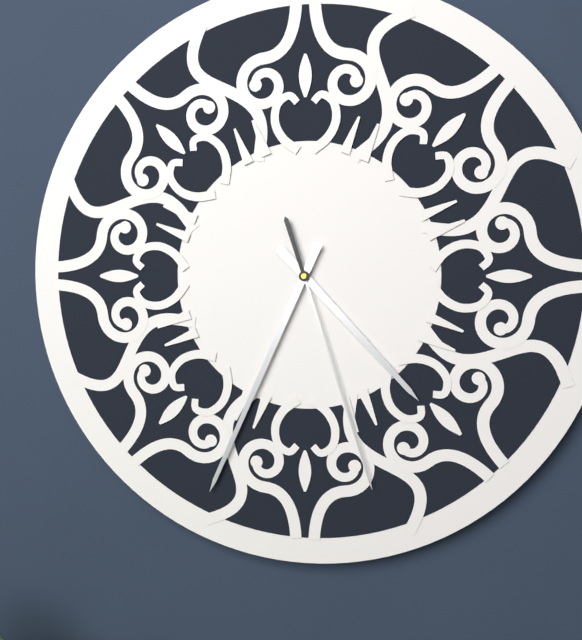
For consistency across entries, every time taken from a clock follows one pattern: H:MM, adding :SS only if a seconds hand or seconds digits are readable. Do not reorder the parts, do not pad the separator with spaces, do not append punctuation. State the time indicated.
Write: 4:34:27
